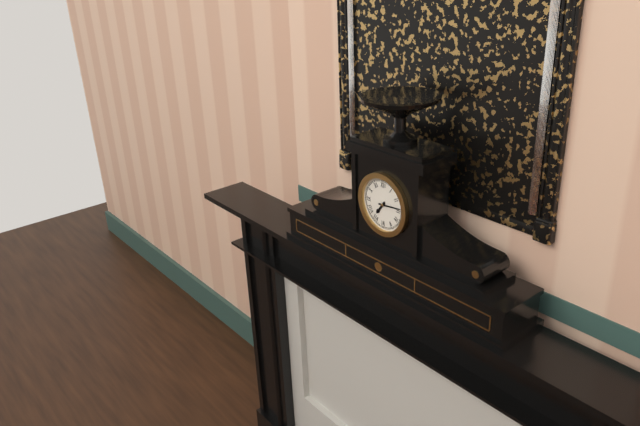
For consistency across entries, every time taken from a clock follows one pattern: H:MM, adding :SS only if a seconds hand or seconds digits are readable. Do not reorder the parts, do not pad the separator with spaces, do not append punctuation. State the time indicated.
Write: 7:14
